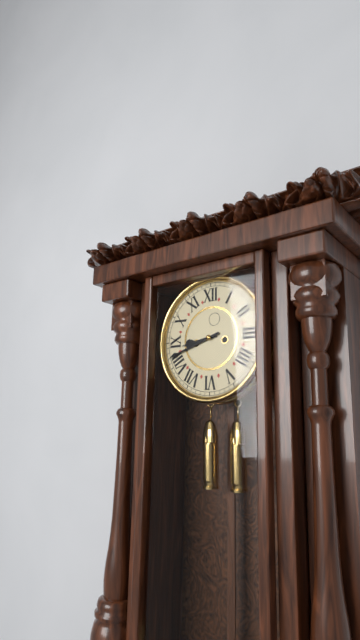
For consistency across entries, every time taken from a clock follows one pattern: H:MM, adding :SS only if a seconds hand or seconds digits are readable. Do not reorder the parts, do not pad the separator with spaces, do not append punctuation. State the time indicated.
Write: 8:42
